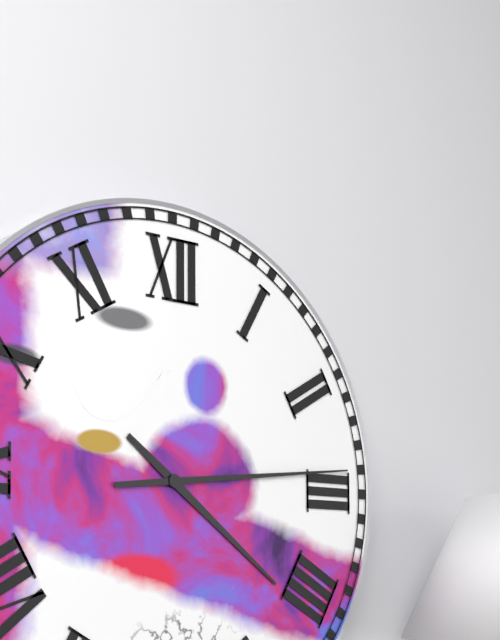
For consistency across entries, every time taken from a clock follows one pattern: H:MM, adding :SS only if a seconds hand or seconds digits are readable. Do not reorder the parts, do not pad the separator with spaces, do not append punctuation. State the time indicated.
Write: 4:14
